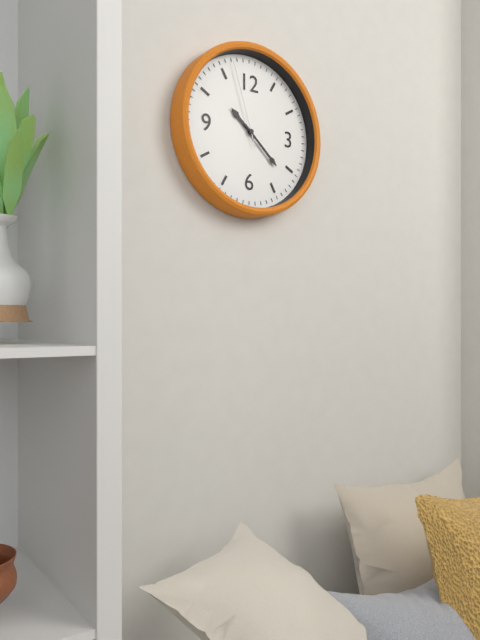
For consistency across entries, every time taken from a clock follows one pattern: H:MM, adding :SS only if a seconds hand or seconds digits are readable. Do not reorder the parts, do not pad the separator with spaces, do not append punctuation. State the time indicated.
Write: 10:22:57
